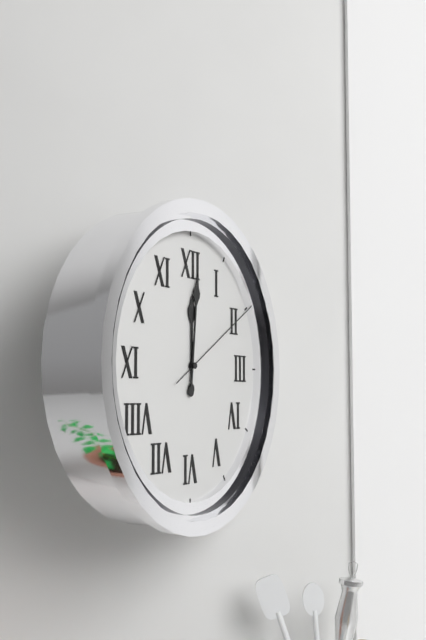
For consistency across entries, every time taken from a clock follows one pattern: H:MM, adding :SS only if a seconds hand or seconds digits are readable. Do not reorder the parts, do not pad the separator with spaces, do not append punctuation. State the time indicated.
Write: 12:01:10
